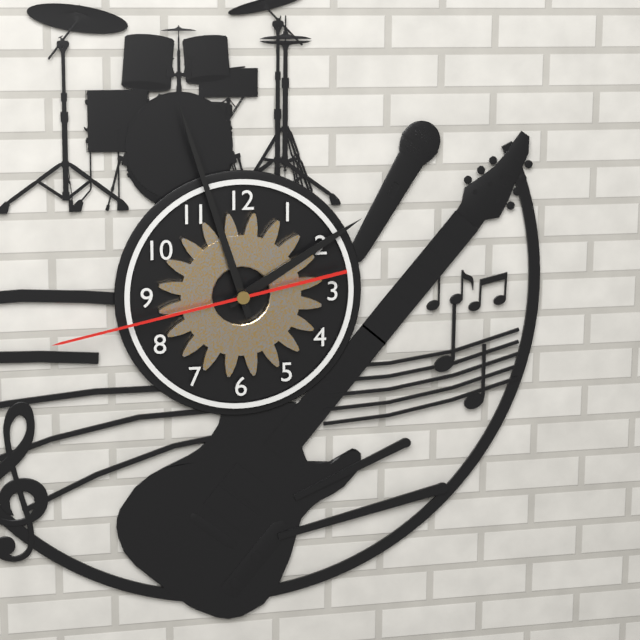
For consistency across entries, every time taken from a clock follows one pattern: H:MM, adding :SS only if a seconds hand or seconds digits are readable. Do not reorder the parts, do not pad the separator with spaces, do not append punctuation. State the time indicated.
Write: 1:57:43
